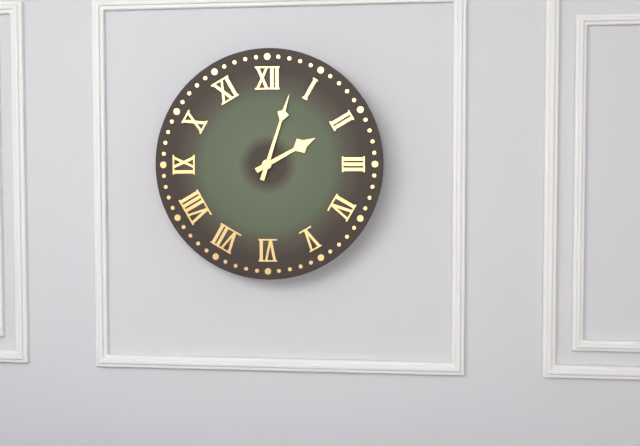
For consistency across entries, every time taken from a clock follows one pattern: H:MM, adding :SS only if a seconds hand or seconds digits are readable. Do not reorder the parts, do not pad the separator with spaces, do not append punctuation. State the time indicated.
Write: 2:03
